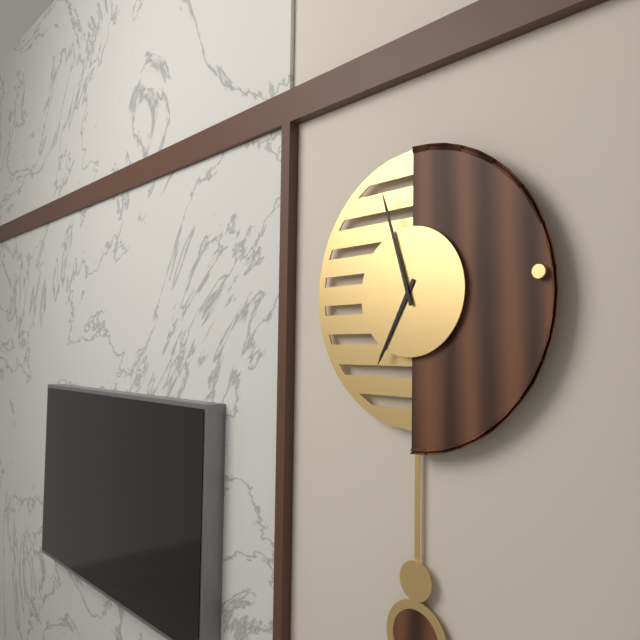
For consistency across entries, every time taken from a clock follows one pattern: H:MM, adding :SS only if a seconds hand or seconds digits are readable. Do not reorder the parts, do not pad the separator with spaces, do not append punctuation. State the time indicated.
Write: 6:57
